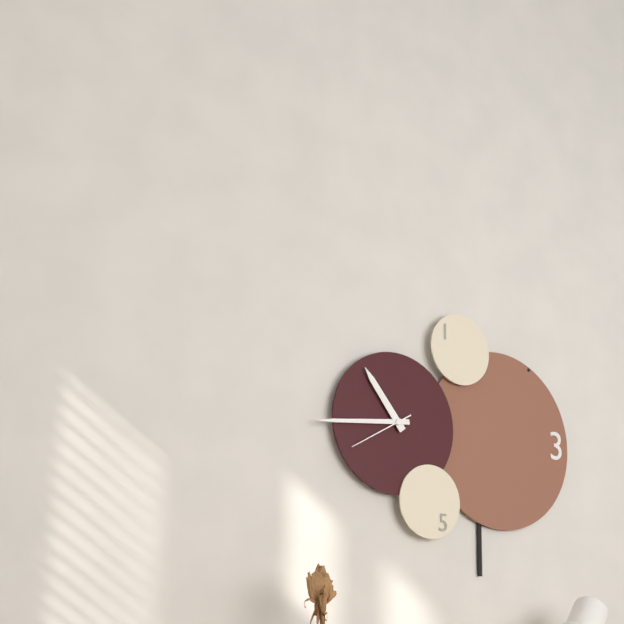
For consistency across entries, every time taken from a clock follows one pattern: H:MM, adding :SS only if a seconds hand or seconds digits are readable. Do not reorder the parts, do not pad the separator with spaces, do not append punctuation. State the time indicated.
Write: 10:44:40
